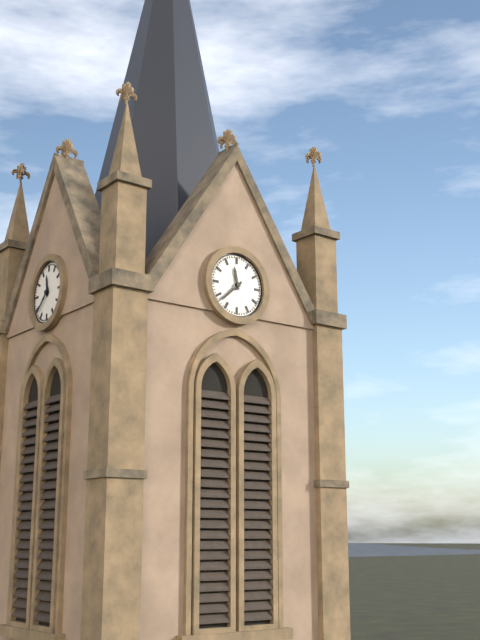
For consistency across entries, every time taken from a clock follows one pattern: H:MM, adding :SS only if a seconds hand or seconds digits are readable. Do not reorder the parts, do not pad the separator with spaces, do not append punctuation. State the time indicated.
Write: 11:38
